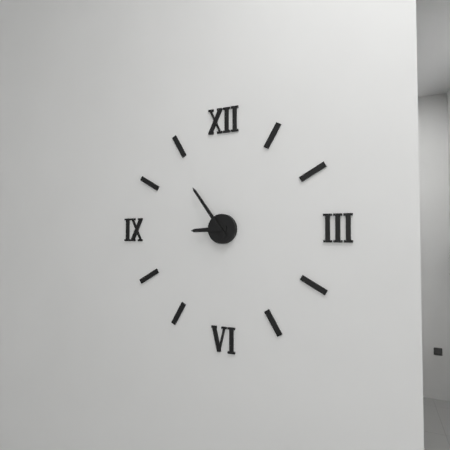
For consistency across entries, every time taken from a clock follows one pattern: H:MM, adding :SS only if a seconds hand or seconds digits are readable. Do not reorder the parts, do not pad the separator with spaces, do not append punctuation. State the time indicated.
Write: 8:54
